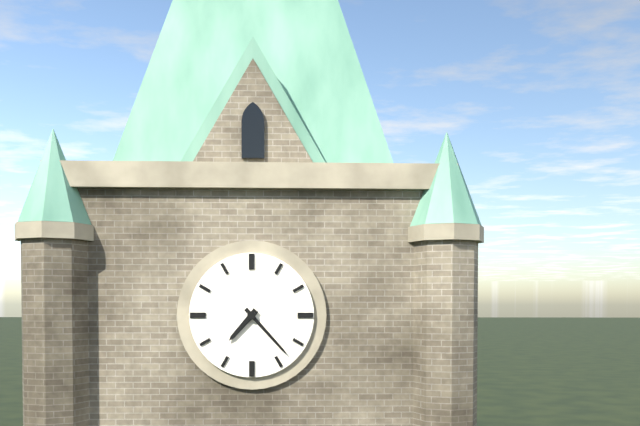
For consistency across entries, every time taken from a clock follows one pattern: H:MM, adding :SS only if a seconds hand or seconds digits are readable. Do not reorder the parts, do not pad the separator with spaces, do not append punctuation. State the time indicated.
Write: 7:23
